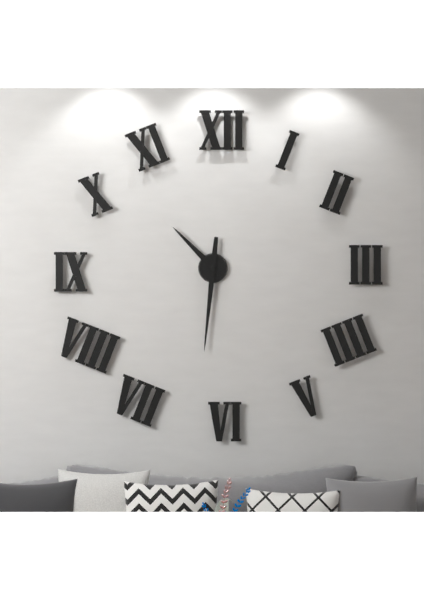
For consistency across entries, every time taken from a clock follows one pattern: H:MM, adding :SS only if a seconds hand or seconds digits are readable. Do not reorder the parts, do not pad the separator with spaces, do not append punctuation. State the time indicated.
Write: 10:31
